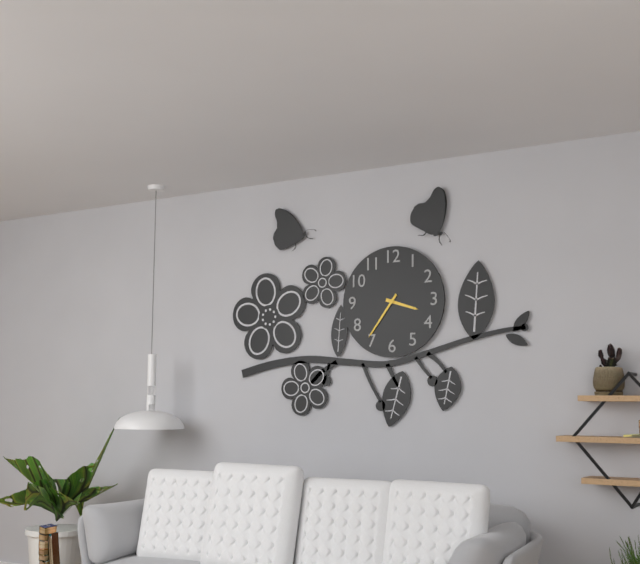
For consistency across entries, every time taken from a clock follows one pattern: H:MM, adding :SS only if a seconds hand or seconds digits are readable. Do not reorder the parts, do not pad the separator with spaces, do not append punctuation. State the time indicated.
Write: 3:36
